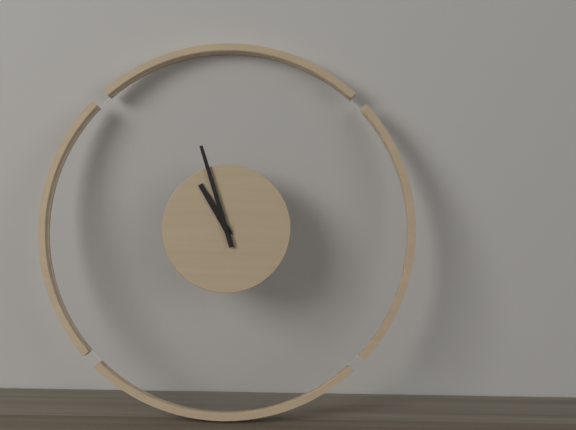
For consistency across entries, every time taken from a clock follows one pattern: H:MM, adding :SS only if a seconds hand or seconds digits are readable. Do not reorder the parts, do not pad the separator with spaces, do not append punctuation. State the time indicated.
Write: 10:57
